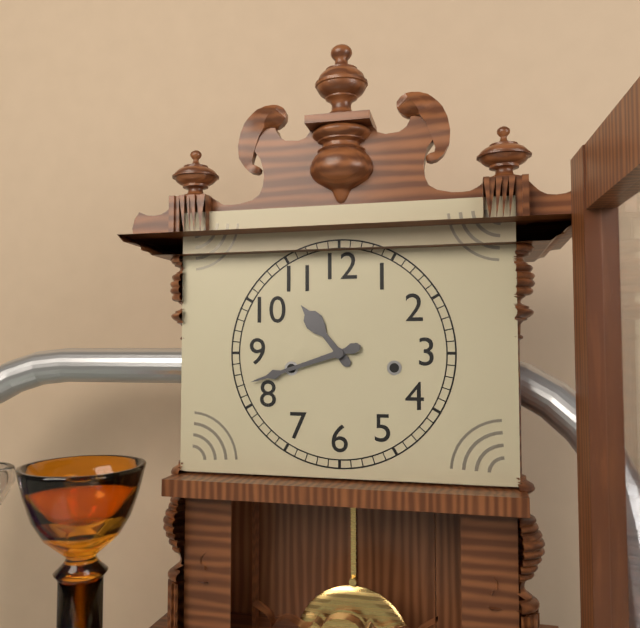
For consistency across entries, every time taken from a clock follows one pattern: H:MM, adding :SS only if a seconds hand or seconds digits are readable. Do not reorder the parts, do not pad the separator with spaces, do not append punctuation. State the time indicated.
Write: 10:42
